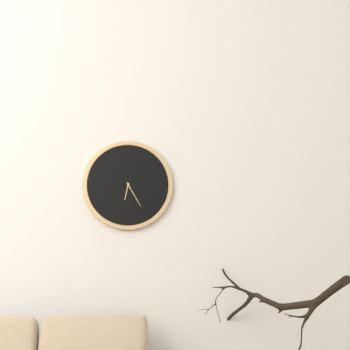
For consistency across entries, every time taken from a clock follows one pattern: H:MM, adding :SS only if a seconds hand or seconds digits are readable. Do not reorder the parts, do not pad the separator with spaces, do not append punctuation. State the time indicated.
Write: 6:25
